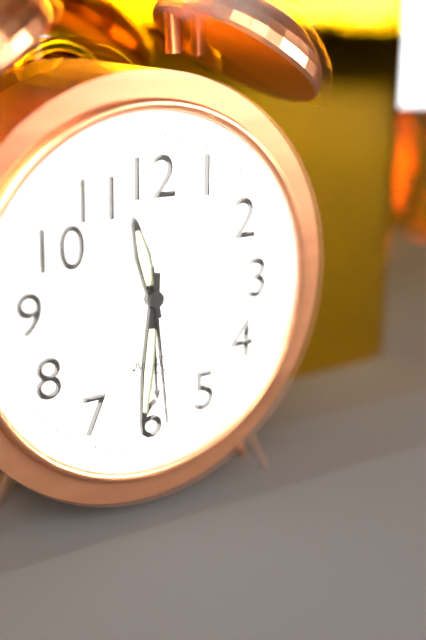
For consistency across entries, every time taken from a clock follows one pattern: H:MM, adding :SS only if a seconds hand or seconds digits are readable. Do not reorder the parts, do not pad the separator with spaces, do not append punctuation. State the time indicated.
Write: 11:31:29
